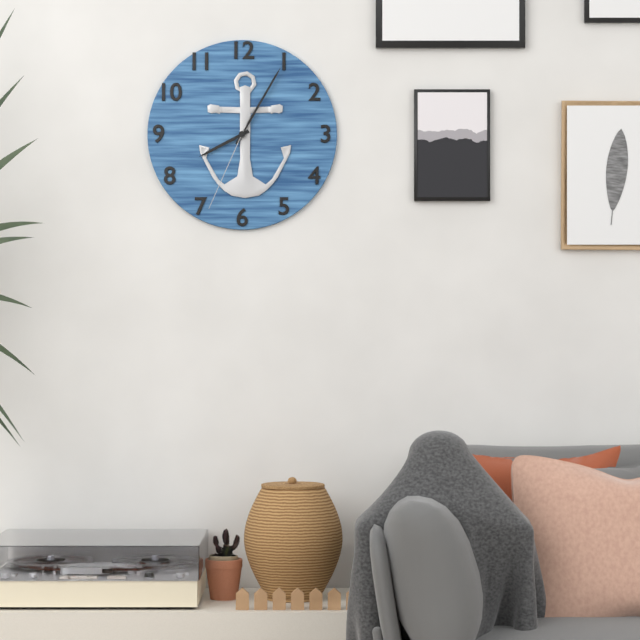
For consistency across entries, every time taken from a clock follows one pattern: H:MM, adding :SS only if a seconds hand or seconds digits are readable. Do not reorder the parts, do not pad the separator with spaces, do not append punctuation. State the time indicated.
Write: 8:05:34
